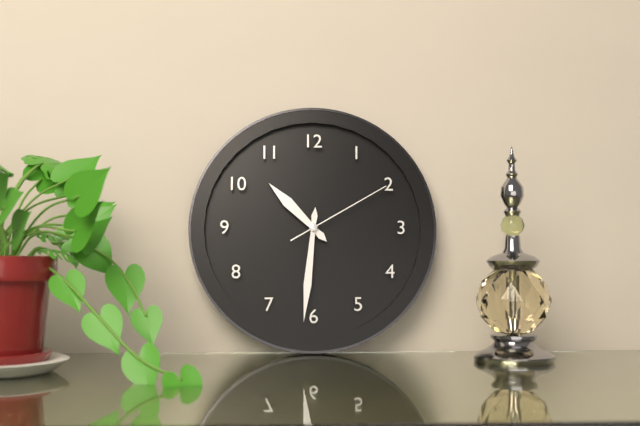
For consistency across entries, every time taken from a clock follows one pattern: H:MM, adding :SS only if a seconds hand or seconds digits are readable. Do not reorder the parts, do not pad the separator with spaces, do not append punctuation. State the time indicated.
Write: 10:31:10
